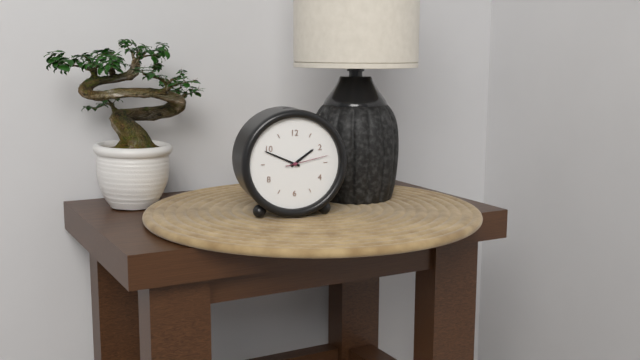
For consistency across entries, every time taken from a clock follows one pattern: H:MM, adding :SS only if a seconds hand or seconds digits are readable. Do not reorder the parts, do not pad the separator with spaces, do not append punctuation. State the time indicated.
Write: 1:49
